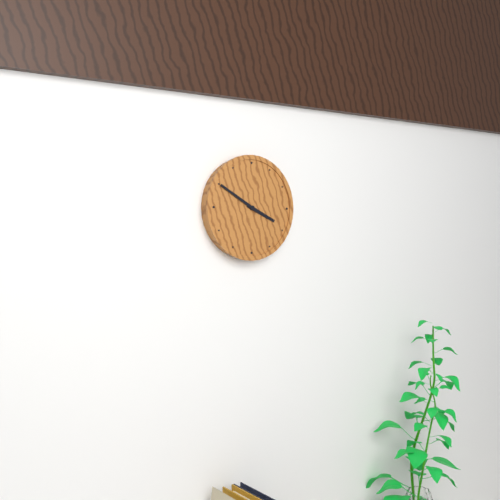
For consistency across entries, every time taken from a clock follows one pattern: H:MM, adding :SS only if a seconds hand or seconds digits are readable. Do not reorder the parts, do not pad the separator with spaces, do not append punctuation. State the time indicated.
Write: 3:50
